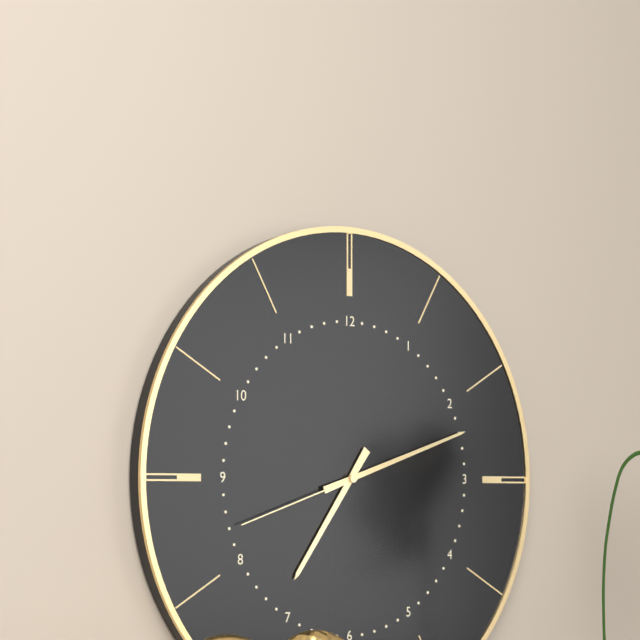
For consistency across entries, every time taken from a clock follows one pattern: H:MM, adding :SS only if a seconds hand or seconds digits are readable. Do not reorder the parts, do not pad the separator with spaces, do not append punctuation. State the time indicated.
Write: 7:12:42
